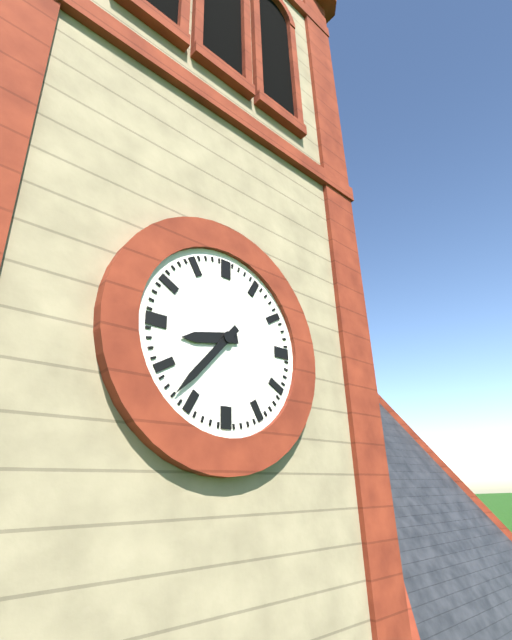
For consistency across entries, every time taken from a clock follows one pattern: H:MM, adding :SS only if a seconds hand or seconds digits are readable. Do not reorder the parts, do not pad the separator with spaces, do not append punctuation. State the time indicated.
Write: 8:37
